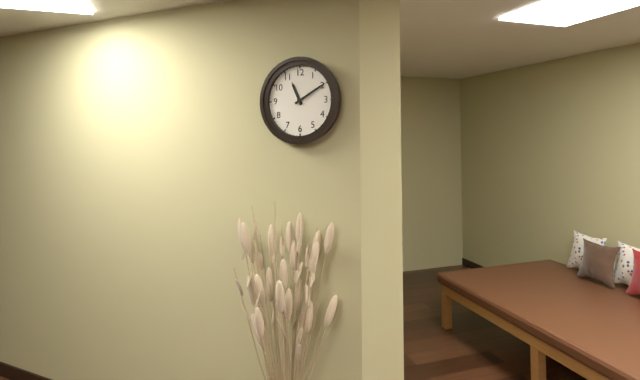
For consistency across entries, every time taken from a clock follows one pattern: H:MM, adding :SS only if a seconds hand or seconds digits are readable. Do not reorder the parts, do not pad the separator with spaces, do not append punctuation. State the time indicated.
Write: 11:10
